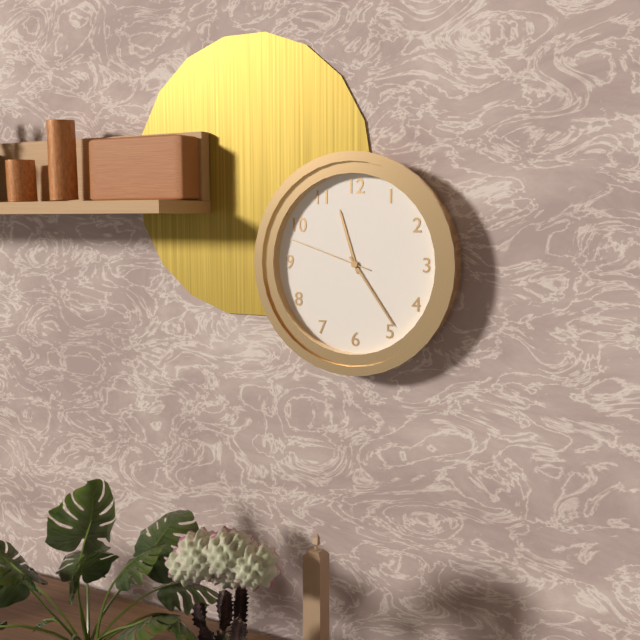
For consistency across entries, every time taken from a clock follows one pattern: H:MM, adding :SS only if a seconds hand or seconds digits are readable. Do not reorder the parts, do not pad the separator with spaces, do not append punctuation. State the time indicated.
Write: 11:24:48
